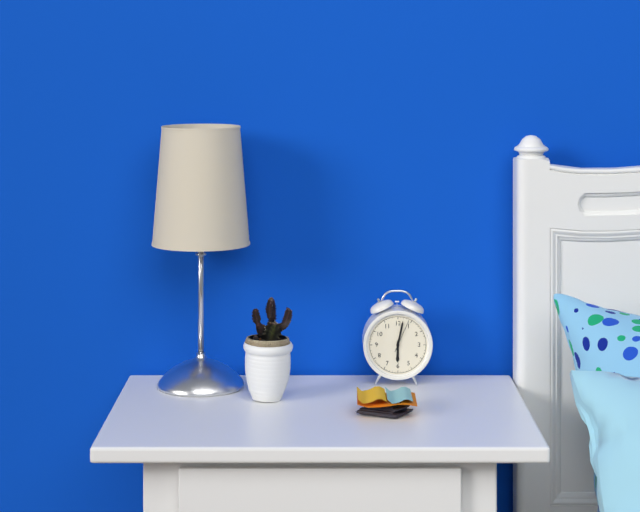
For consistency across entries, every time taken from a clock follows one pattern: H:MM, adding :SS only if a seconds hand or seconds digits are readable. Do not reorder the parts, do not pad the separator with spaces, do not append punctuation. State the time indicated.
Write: 6:02
